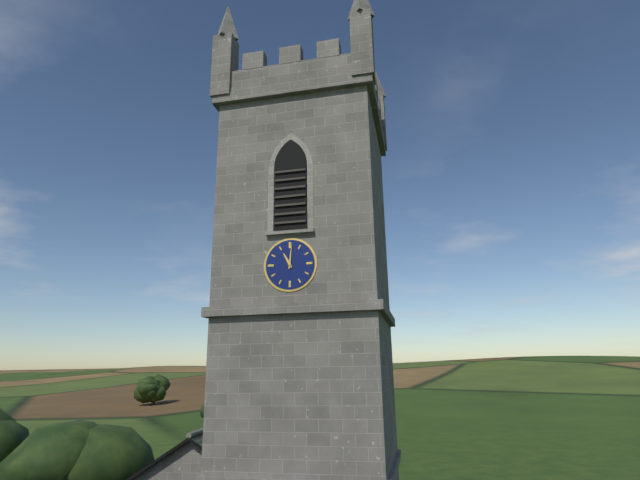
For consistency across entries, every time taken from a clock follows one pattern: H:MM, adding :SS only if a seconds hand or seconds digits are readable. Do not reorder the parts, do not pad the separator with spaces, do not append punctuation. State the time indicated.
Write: 11:01
